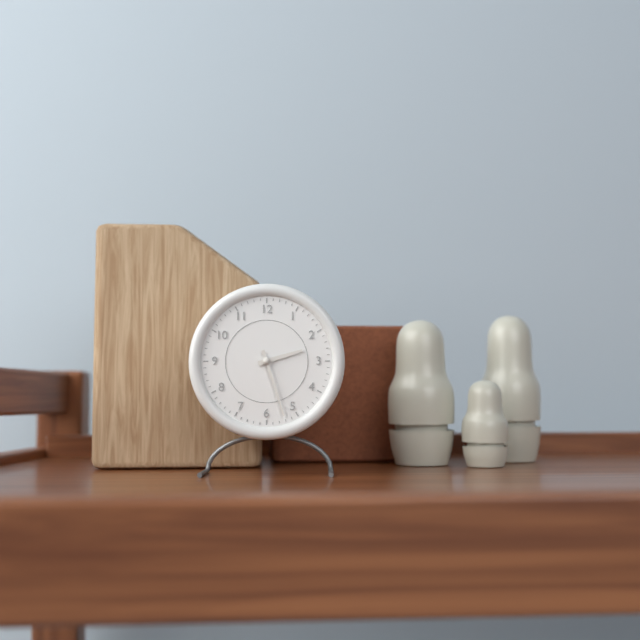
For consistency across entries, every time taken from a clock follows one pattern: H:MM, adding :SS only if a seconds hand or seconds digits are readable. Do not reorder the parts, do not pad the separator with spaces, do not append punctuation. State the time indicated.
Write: 2:27
